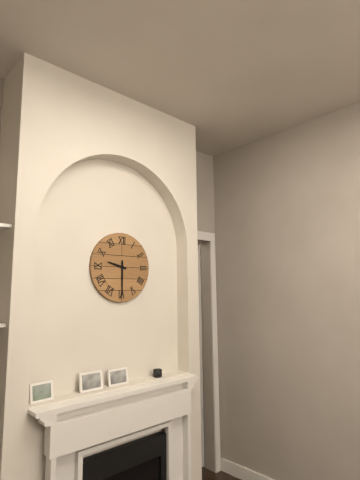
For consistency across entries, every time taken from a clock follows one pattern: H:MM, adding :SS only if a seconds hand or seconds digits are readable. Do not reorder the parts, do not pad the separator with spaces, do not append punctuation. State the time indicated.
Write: 9:30
